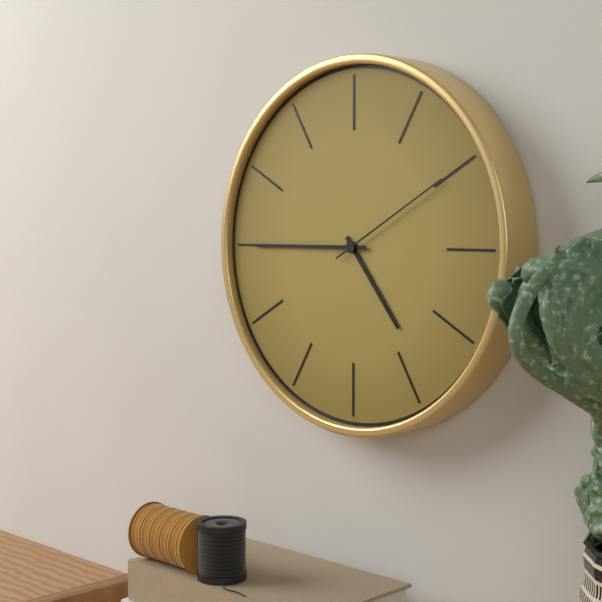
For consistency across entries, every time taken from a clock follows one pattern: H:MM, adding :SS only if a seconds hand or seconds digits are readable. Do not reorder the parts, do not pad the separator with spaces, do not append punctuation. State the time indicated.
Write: 4:45:10
